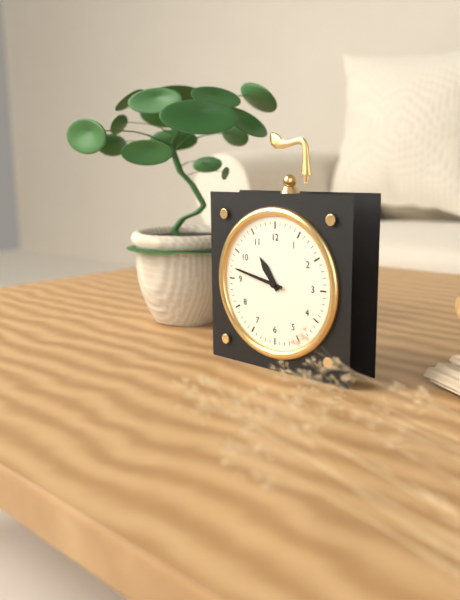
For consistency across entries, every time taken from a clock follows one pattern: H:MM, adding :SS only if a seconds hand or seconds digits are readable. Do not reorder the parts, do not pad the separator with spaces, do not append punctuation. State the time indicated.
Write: 10:47
